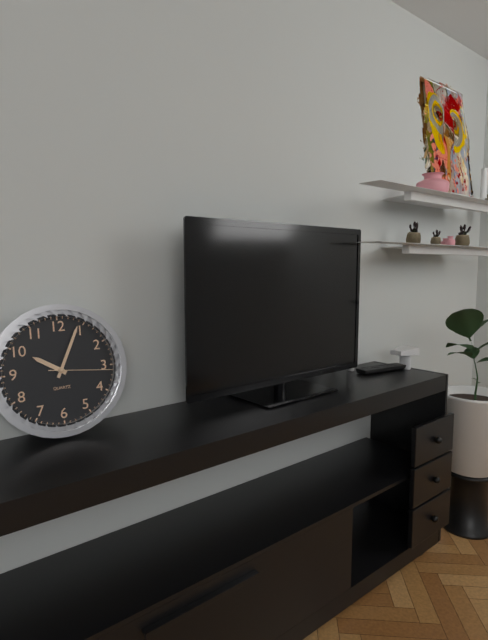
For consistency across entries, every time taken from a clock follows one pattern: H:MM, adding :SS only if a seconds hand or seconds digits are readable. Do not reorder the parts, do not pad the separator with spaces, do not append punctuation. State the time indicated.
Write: 10:04:16
